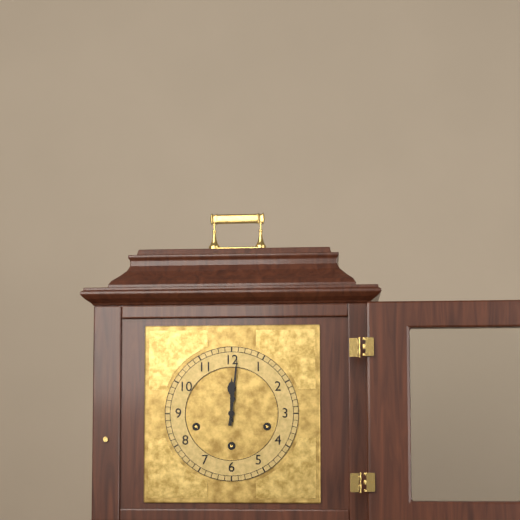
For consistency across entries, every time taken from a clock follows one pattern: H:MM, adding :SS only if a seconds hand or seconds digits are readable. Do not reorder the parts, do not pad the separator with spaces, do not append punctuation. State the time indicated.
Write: 12:01
